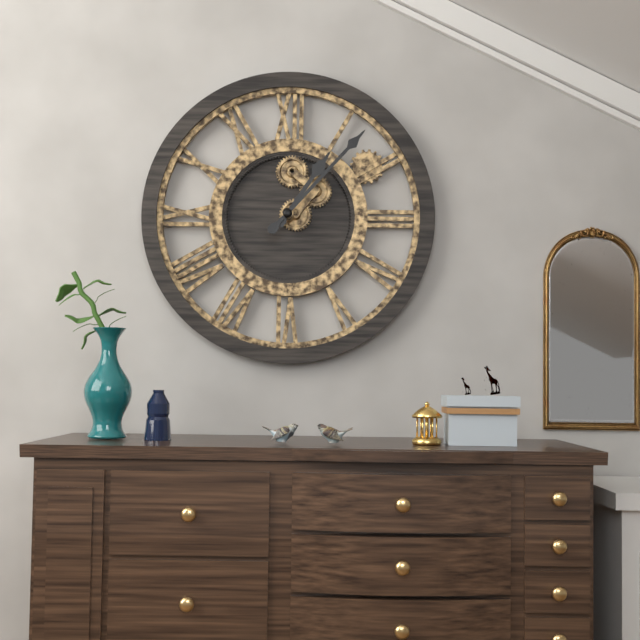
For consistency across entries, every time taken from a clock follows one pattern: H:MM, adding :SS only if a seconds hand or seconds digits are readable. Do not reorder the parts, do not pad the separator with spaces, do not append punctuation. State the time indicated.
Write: 1:07
